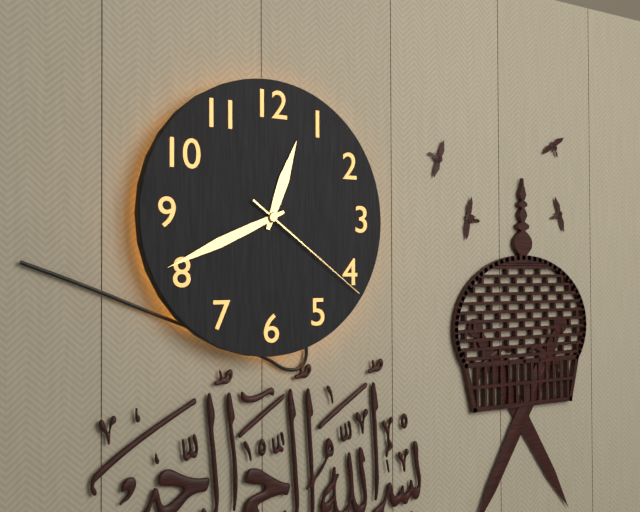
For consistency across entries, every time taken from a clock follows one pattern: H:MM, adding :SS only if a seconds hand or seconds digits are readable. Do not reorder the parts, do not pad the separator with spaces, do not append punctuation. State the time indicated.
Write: 12:41:21
